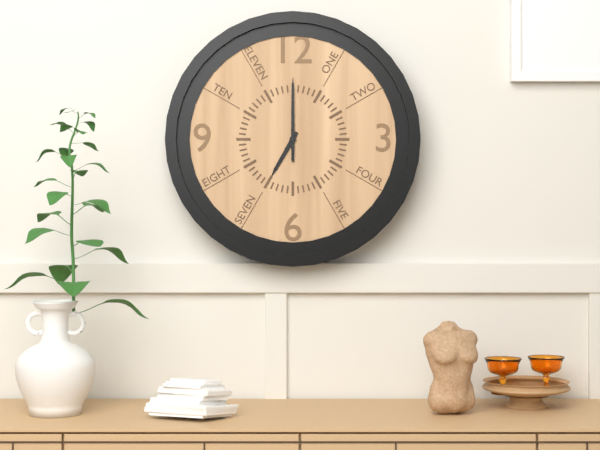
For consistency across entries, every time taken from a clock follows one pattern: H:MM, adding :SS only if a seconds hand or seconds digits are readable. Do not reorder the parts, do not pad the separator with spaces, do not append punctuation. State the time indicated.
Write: 7:00
